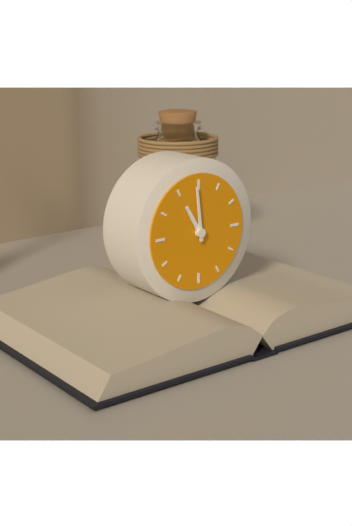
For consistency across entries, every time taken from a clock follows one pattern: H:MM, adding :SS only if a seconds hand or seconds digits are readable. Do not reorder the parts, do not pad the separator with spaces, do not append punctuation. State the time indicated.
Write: 10:59
